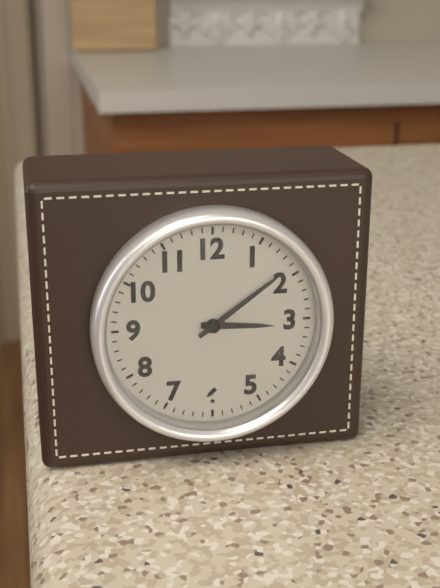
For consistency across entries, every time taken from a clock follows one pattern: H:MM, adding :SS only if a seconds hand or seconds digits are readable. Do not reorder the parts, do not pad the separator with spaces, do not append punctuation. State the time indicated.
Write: 3:09
